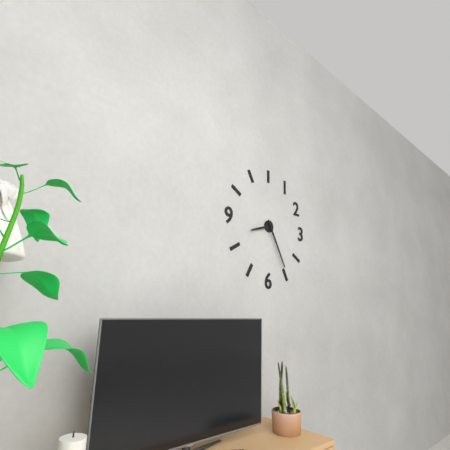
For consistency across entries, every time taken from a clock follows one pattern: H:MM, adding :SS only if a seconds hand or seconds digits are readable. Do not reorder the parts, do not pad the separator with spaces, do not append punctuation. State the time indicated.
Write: 8:25
